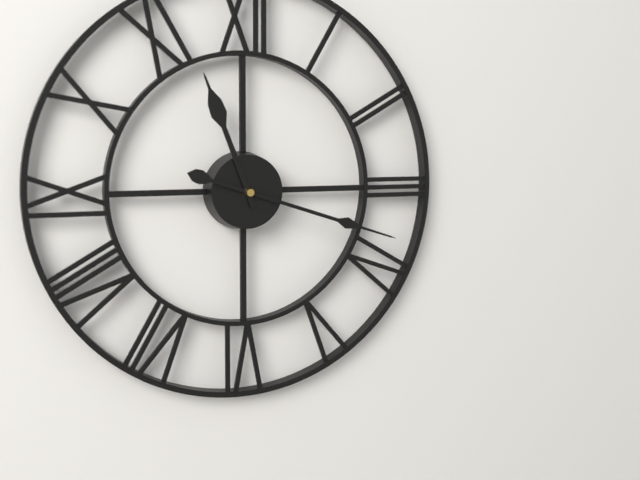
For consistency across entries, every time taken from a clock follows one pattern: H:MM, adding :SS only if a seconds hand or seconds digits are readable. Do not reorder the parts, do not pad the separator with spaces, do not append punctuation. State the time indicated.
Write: 11:18
